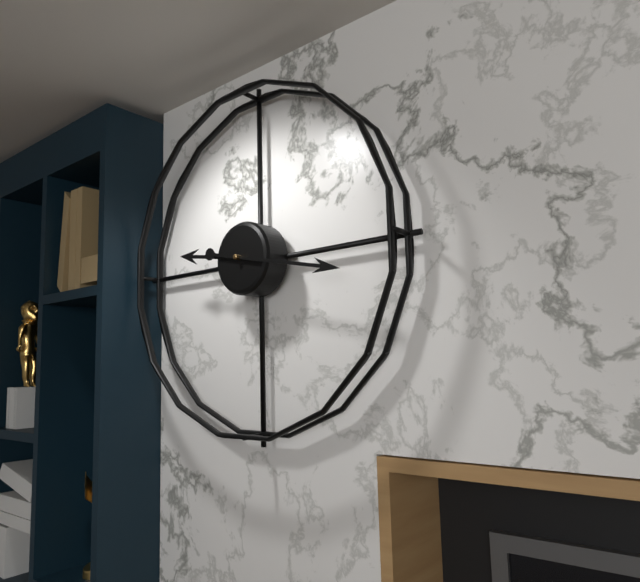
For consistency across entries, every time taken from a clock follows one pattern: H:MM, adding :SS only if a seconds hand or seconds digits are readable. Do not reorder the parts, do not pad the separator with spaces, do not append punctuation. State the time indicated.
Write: 9:17
